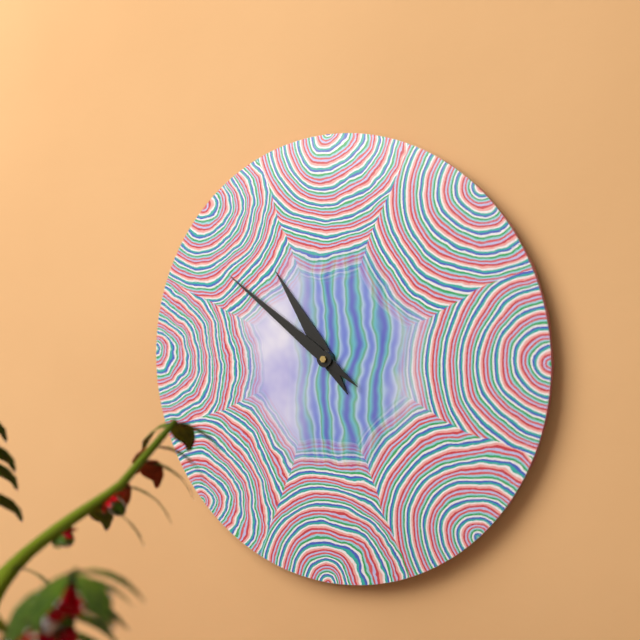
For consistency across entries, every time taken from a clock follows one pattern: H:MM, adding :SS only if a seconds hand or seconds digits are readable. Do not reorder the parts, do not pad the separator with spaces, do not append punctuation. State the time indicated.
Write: 10:51
